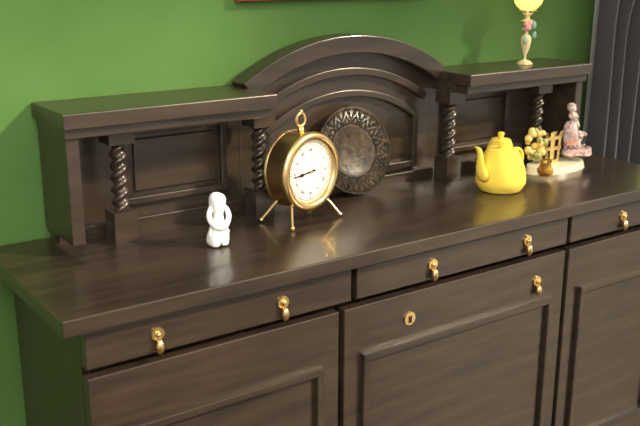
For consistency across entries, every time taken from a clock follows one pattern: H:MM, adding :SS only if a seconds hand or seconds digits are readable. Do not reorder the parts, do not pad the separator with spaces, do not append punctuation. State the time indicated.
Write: 8:44
